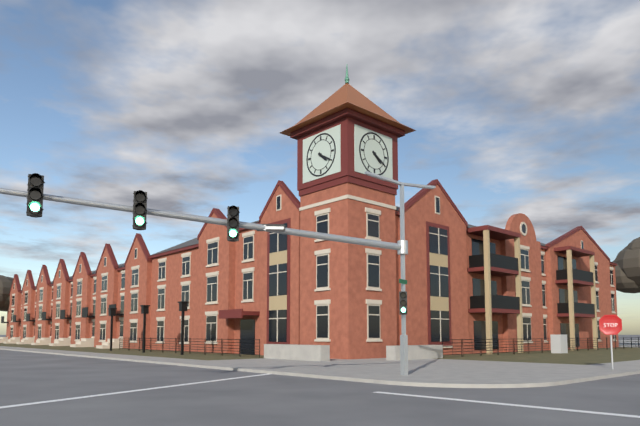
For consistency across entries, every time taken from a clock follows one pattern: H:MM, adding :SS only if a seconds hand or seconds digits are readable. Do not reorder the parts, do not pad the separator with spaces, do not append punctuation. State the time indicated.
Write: 4:20
